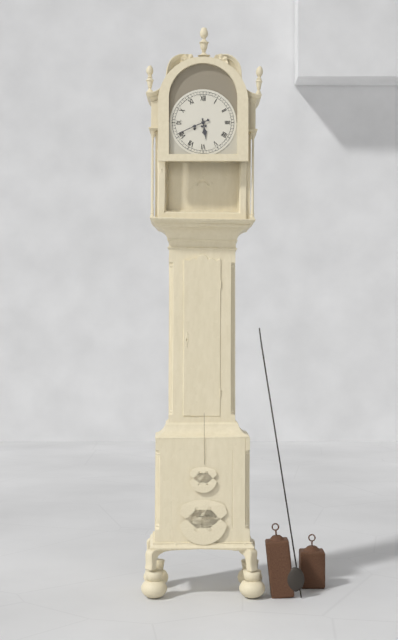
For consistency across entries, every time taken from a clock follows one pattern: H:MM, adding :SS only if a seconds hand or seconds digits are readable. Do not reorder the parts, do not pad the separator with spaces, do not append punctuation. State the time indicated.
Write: 5:41
